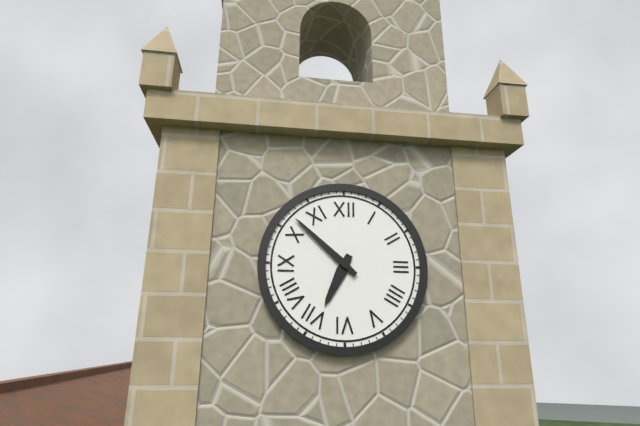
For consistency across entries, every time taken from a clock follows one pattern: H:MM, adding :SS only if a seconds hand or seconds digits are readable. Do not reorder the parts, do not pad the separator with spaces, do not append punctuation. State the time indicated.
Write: 6:52
